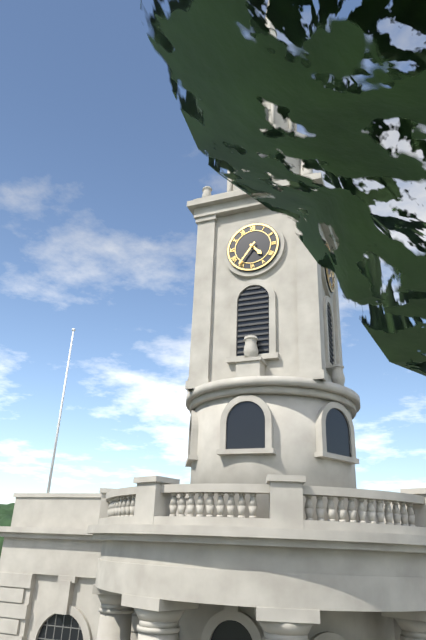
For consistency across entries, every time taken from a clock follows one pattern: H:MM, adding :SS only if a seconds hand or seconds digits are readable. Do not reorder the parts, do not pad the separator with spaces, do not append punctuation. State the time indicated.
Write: 4:36
